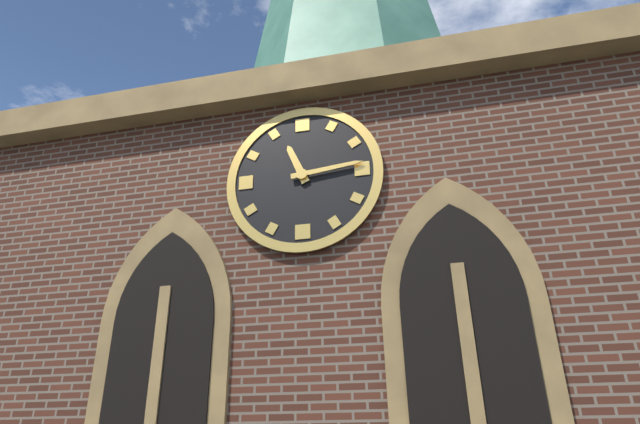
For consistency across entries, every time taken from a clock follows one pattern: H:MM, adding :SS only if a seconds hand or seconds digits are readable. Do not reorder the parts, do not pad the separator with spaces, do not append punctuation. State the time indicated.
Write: 11:14
